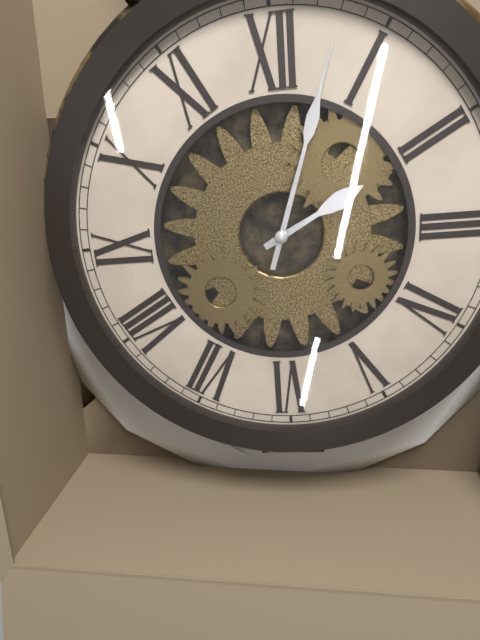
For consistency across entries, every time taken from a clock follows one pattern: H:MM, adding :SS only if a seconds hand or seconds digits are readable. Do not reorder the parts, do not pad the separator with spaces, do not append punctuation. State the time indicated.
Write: 2:03
